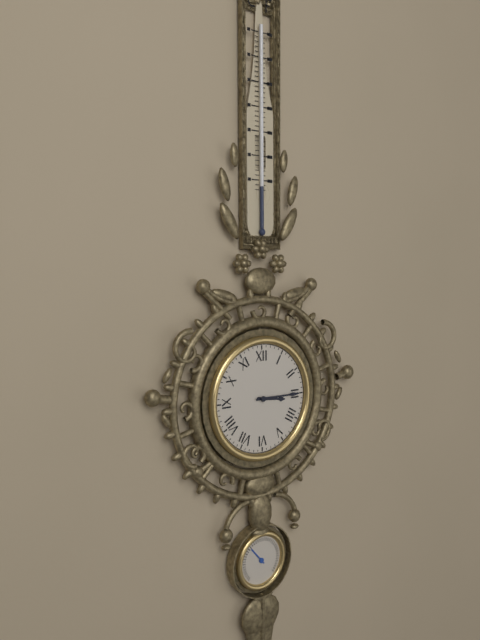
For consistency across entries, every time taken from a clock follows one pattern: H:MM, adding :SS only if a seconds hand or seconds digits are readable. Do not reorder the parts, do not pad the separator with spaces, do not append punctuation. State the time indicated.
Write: 3:15
